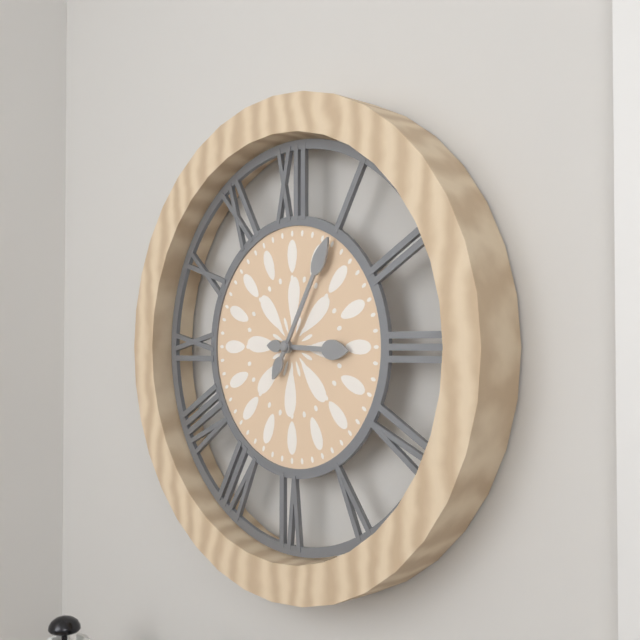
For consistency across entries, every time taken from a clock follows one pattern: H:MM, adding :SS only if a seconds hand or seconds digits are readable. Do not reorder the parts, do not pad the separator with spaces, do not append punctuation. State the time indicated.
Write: 3:05
